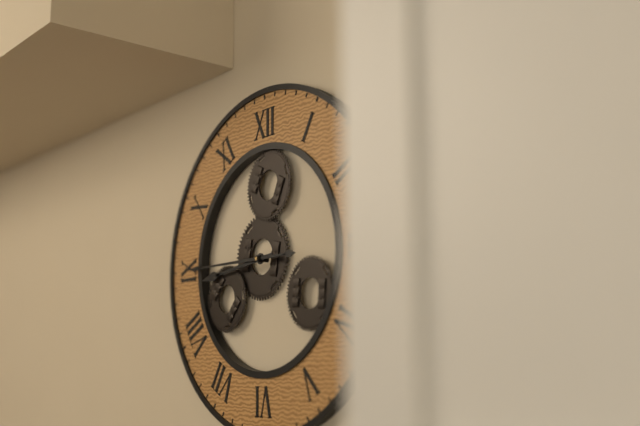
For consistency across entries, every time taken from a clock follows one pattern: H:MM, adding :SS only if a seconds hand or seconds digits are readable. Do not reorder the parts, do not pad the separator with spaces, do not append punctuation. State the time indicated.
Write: 8:45
